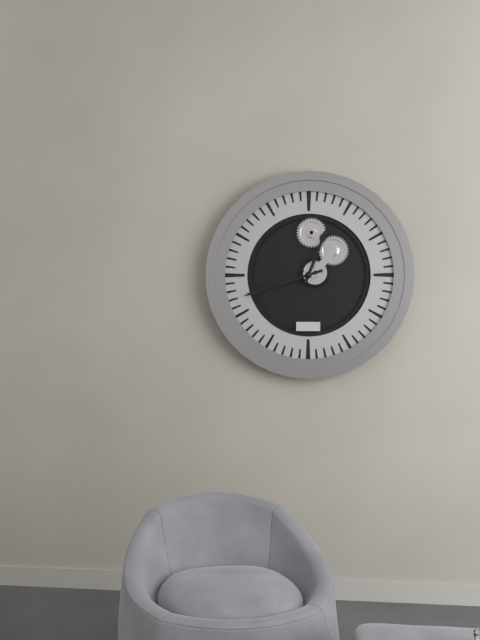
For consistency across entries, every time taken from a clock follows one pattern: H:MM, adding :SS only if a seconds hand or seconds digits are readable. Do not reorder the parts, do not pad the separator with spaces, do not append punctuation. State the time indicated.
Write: 12:42
